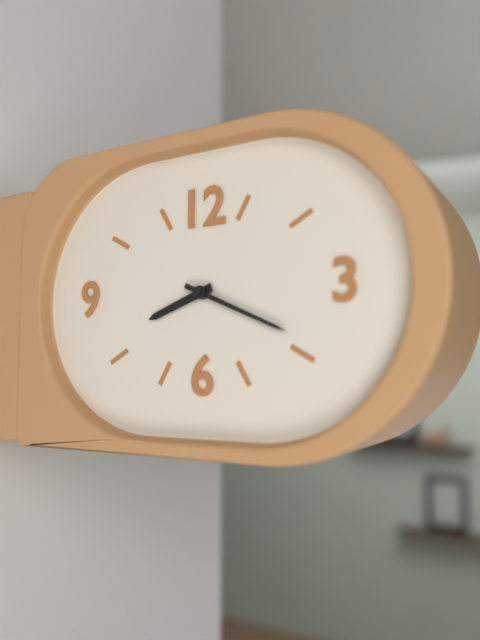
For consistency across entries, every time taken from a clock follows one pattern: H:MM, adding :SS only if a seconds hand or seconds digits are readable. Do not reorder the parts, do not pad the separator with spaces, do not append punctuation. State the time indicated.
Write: 8:19
